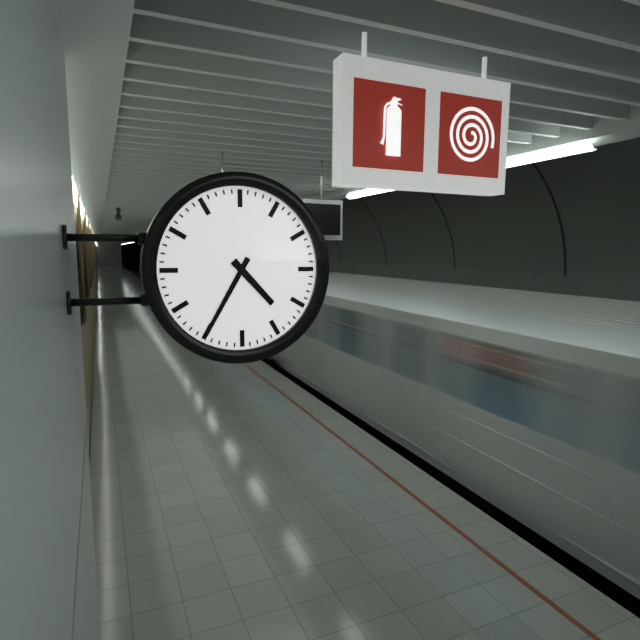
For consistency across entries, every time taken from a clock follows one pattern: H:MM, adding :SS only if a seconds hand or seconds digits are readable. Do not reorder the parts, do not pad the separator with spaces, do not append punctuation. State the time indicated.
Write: 4:35
